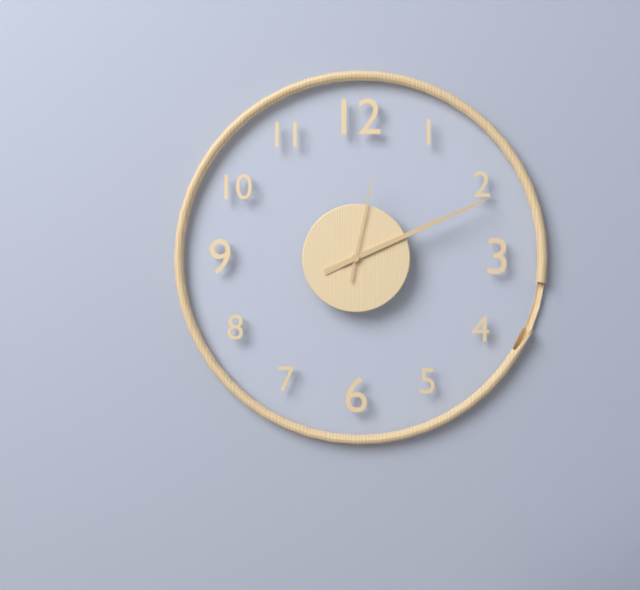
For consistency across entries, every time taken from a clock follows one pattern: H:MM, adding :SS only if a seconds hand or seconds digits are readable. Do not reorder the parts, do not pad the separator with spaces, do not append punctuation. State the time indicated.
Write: 2:11:02
